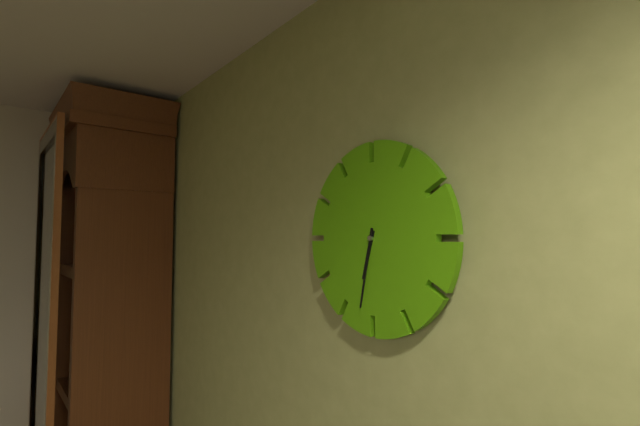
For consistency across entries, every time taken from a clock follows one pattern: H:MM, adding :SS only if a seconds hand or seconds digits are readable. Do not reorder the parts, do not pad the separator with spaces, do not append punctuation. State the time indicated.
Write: 6:32
